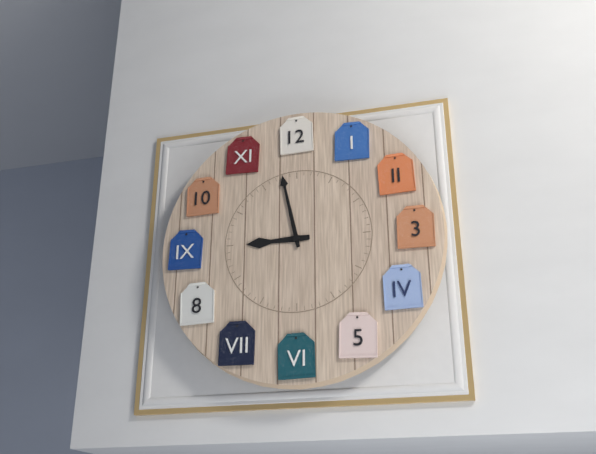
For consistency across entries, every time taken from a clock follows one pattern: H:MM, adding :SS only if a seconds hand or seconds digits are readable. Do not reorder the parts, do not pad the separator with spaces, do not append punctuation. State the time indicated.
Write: 8:58
